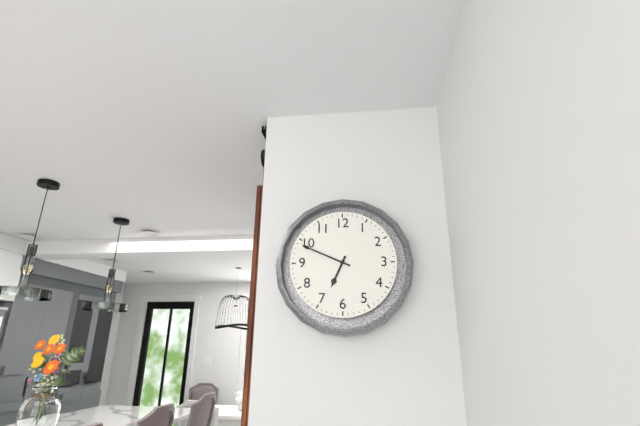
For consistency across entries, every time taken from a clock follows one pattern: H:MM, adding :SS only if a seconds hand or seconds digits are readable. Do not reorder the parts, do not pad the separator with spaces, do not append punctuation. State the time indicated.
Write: 6:49
